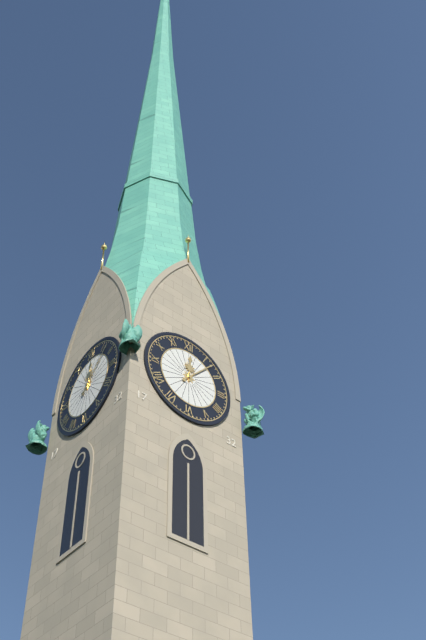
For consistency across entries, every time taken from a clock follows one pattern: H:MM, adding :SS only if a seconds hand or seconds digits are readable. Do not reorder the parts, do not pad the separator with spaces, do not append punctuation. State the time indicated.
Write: 12:07
